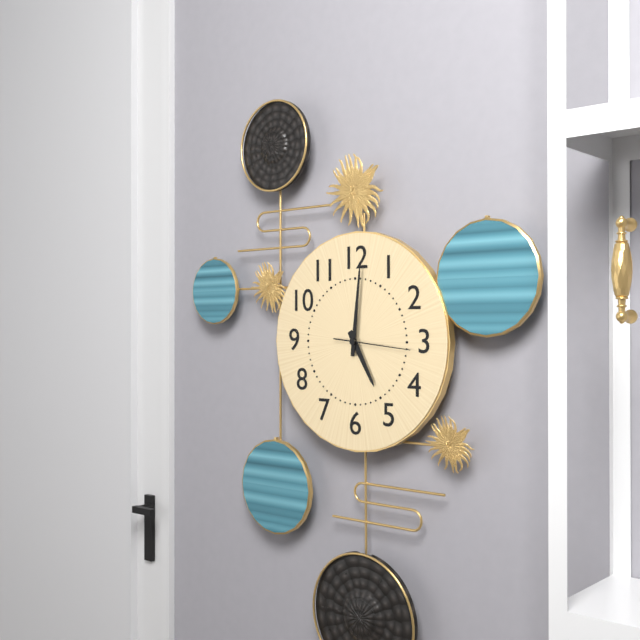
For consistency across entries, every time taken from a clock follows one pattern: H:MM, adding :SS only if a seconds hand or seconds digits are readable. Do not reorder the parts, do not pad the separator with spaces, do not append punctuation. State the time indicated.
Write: 5:01:16
